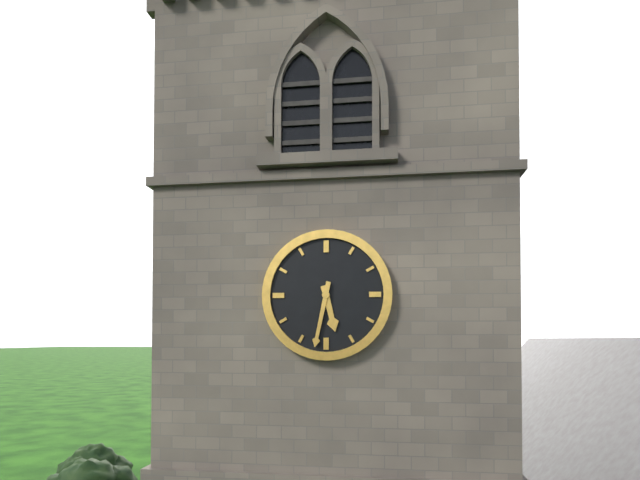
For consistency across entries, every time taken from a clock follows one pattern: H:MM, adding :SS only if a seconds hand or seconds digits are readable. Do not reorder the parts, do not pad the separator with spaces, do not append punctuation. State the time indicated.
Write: 5:32
